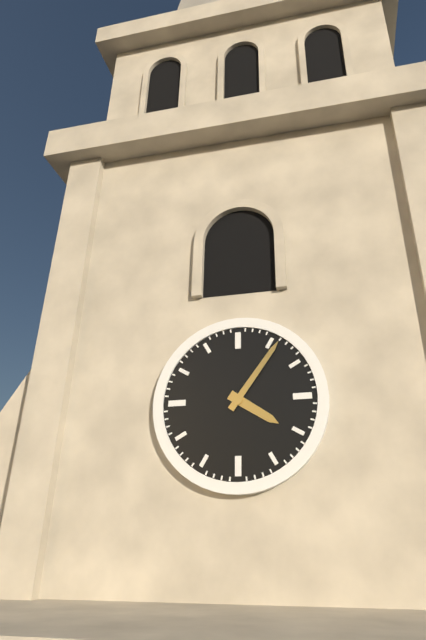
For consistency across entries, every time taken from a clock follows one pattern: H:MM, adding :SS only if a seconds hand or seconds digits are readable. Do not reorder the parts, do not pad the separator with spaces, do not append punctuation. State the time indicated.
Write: 4:06
